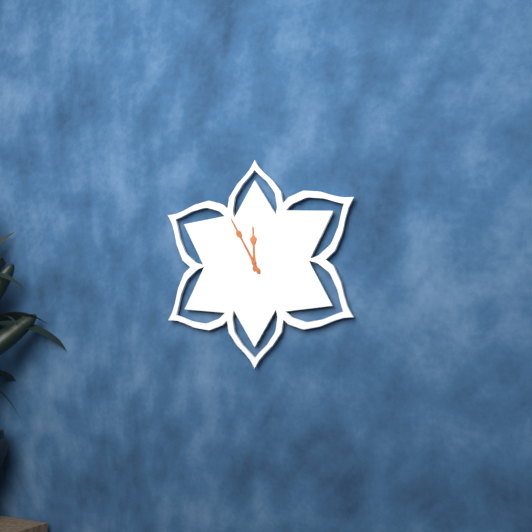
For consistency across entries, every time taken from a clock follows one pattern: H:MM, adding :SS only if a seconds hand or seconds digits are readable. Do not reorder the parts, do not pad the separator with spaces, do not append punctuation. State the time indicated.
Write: 11:55
